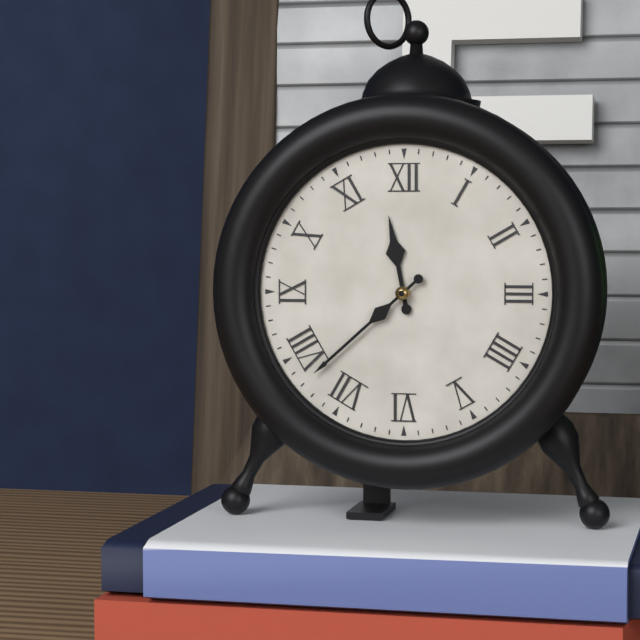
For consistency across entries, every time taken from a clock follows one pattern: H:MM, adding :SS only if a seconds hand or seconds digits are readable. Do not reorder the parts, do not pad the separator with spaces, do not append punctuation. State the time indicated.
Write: 11:38
